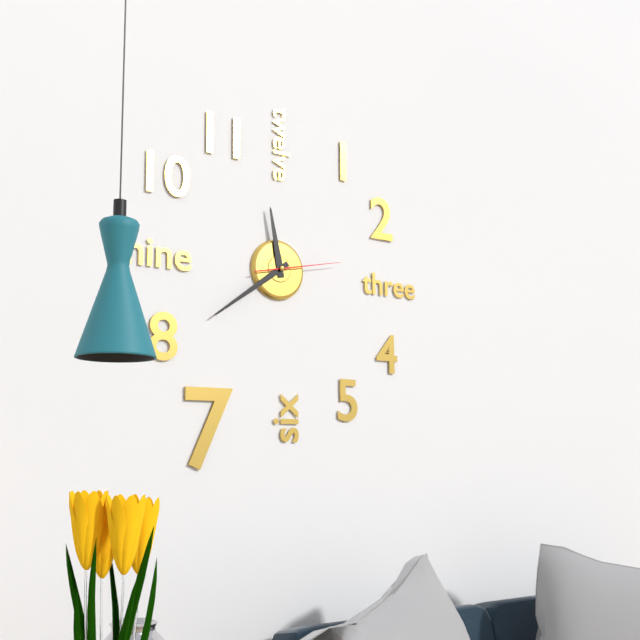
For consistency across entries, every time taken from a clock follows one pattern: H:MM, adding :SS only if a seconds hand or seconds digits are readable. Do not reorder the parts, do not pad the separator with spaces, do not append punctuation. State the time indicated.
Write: 11:39:13
